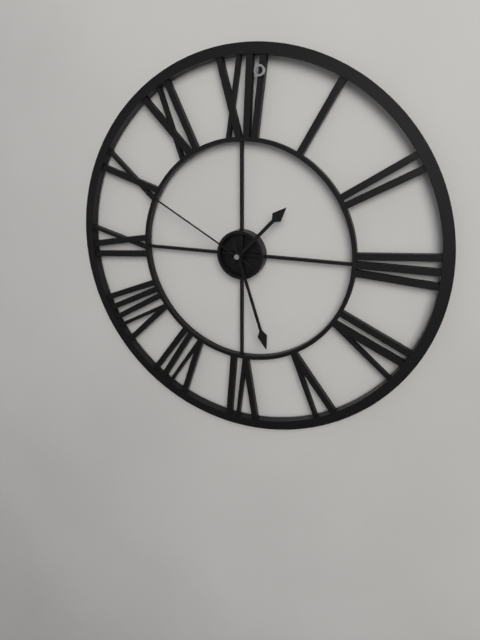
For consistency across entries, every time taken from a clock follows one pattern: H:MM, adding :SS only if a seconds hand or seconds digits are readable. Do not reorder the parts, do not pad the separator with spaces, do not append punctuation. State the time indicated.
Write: 1:27:50
